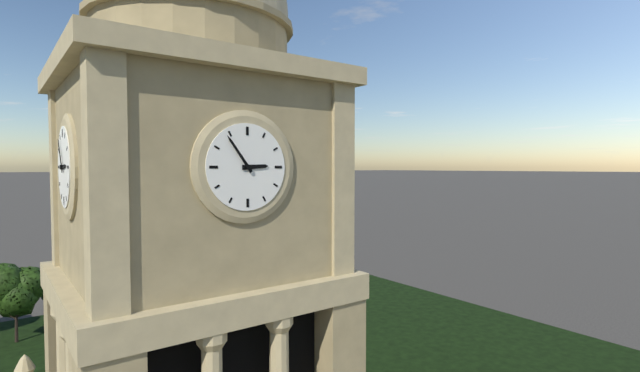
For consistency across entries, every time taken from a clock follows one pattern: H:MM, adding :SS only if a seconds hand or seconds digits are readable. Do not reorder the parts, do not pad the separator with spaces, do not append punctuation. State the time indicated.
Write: 2:54
